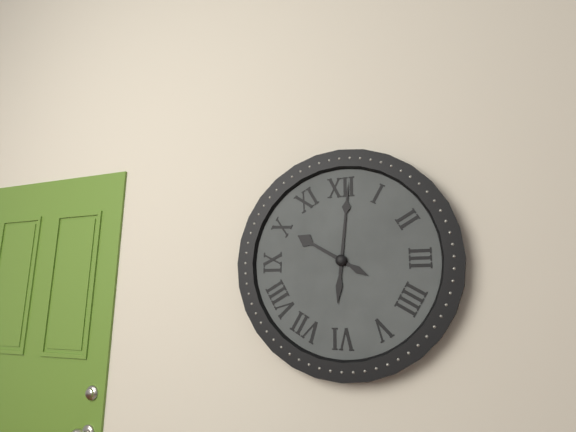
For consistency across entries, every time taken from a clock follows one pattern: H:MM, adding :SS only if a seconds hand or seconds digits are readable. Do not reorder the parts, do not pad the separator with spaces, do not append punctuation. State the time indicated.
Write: 10:01
